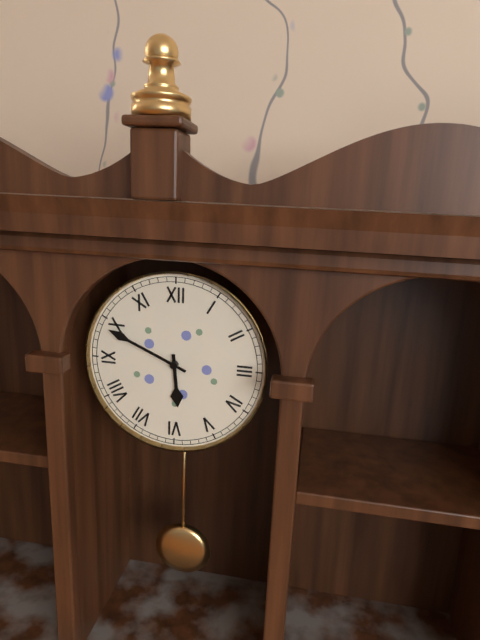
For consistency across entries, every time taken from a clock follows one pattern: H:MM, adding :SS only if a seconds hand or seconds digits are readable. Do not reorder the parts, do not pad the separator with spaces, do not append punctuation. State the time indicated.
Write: 5:49
